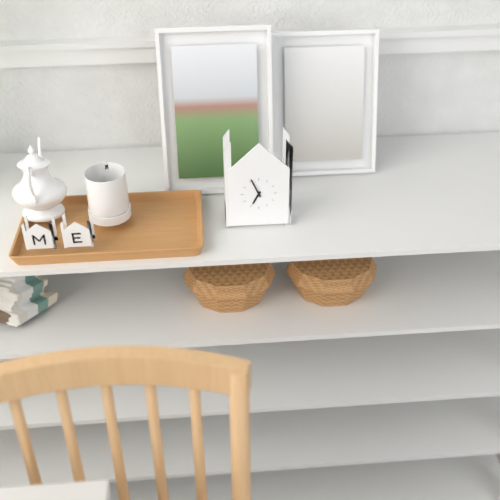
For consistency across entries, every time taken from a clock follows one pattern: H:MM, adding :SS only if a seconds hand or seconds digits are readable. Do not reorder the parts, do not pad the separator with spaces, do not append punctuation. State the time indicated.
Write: 6:56
